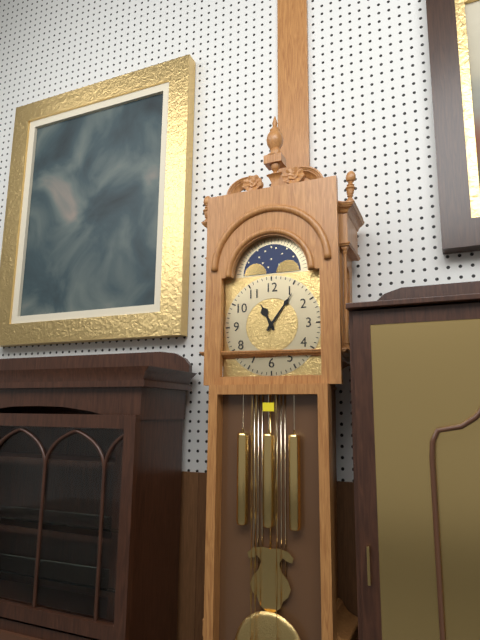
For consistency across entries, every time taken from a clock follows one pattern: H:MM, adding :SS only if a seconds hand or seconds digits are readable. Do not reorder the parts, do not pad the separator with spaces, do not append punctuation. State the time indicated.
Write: 11:06
